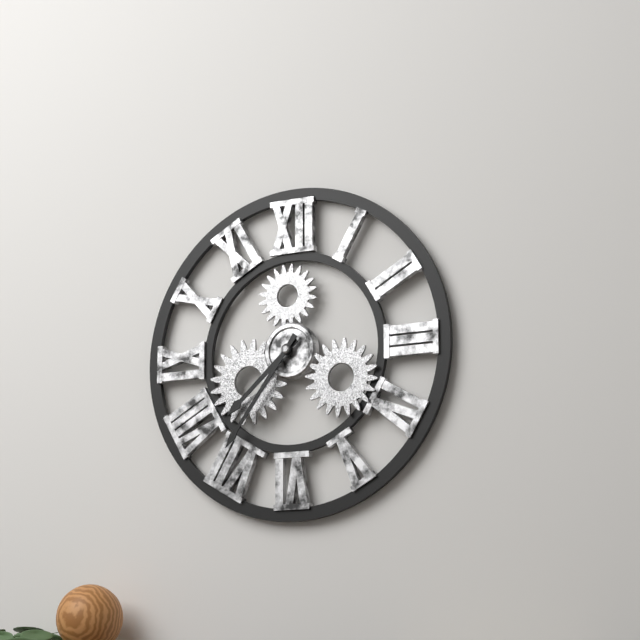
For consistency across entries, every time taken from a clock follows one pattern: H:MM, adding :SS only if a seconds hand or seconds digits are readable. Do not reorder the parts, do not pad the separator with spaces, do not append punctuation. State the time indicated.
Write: 7:36
